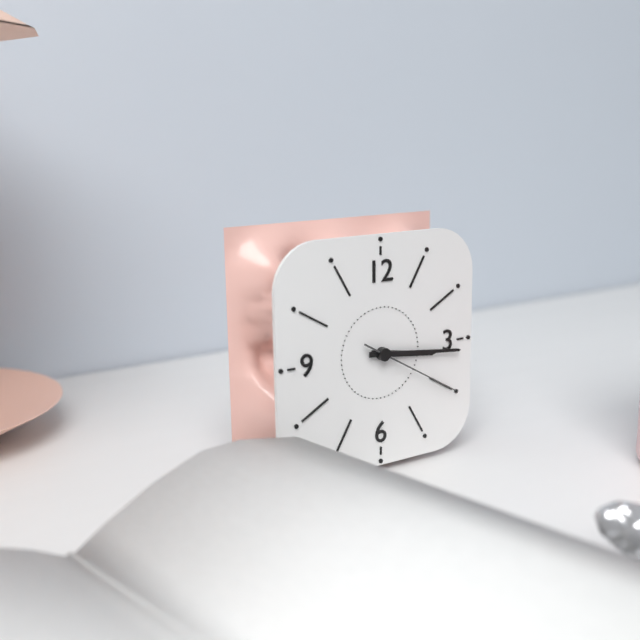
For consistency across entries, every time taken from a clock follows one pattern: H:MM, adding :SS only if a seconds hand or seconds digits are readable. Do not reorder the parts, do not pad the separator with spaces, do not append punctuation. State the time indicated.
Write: 3:16:20
